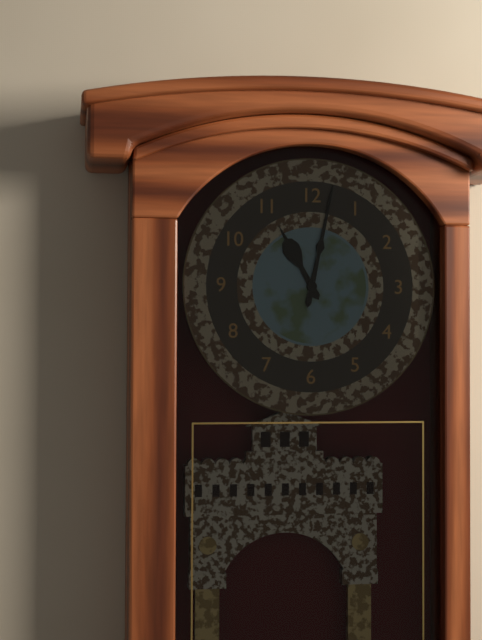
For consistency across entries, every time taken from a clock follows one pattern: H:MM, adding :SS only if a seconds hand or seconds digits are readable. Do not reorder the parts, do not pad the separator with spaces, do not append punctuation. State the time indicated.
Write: 11:02
